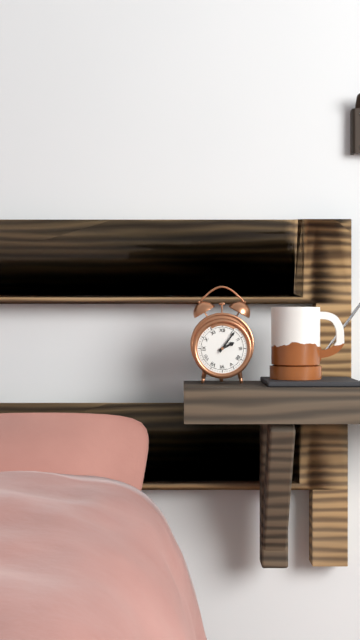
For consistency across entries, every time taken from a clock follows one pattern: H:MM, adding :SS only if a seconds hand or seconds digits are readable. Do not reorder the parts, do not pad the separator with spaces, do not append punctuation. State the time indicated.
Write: 2:06
